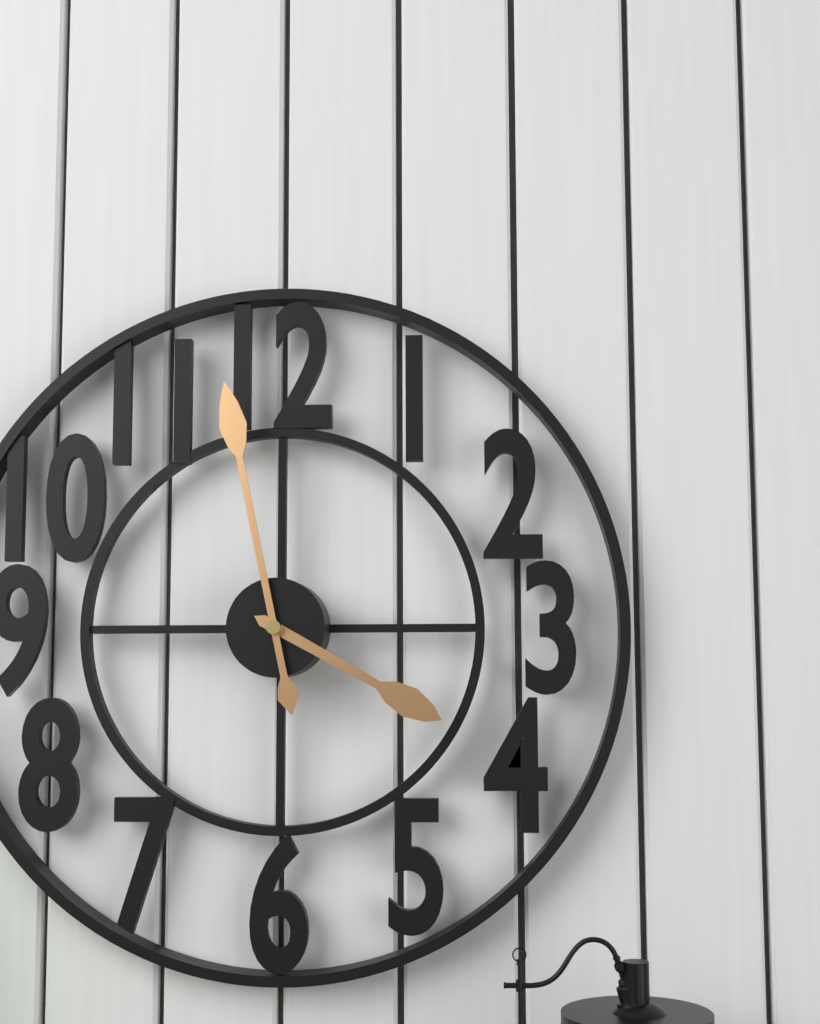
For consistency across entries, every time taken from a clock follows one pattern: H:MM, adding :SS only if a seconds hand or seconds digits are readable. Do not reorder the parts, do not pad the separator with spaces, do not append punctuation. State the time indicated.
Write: 3:58
